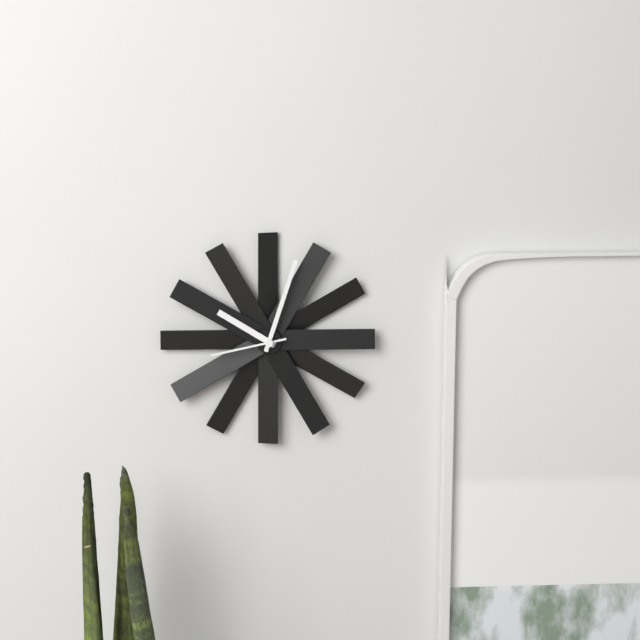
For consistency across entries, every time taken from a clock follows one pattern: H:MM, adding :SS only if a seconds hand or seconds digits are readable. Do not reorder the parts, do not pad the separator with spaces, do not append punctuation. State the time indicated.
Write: 10:03:43
